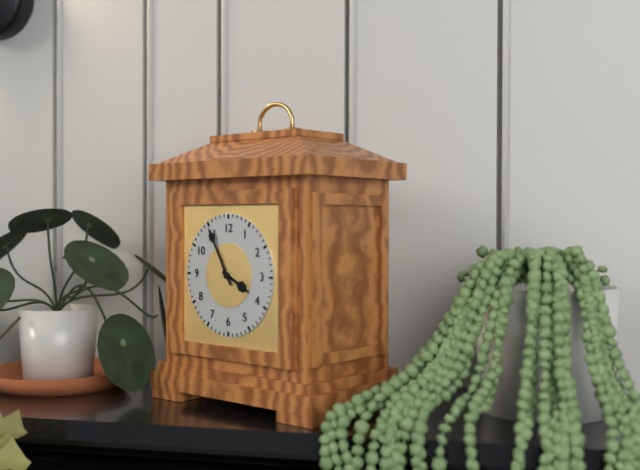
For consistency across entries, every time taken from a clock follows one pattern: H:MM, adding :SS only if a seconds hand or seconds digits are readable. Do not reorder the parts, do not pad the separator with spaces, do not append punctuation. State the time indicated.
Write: 3:55
